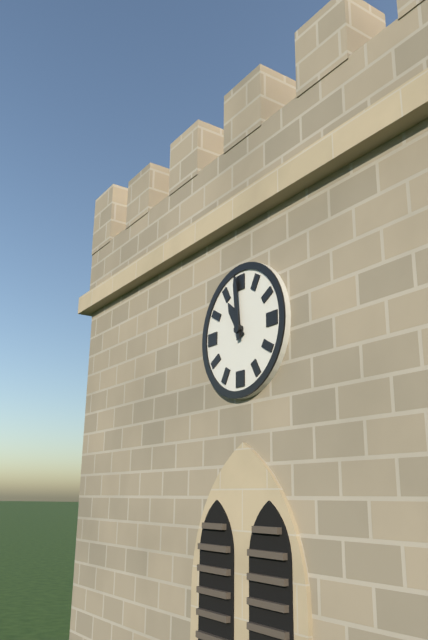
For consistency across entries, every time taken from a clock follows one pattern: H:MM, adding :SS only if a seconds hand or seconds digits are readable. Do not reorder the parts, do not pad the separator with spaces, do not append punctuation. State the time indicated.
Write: 10:59
